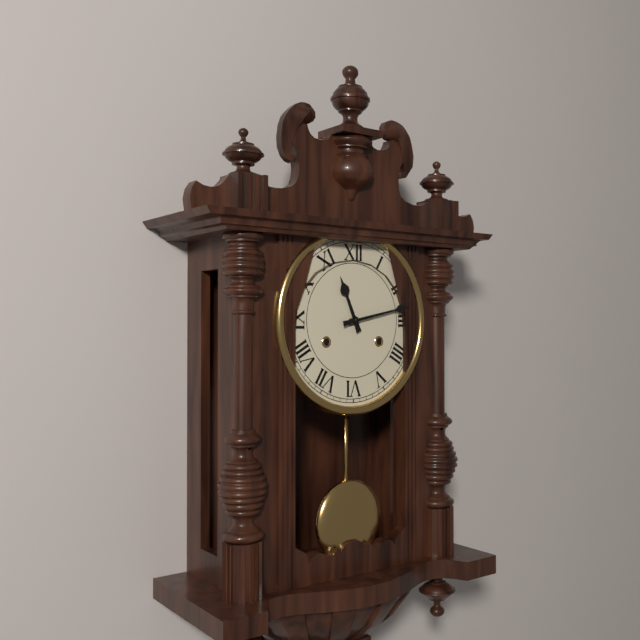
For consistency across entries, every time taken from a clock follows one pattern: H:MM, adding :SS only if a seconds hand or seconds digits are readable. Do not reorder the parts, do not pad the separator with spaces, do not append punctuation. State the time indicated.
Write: 11:13
